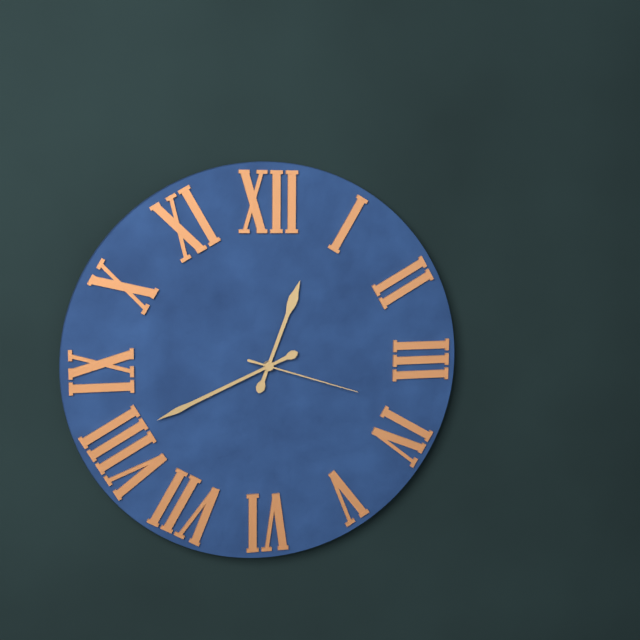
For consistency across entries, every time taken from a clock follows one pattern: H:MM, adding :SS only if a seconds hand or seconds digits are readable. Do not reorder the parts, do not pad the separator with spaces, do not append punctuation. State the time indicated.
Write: 12:41:18
